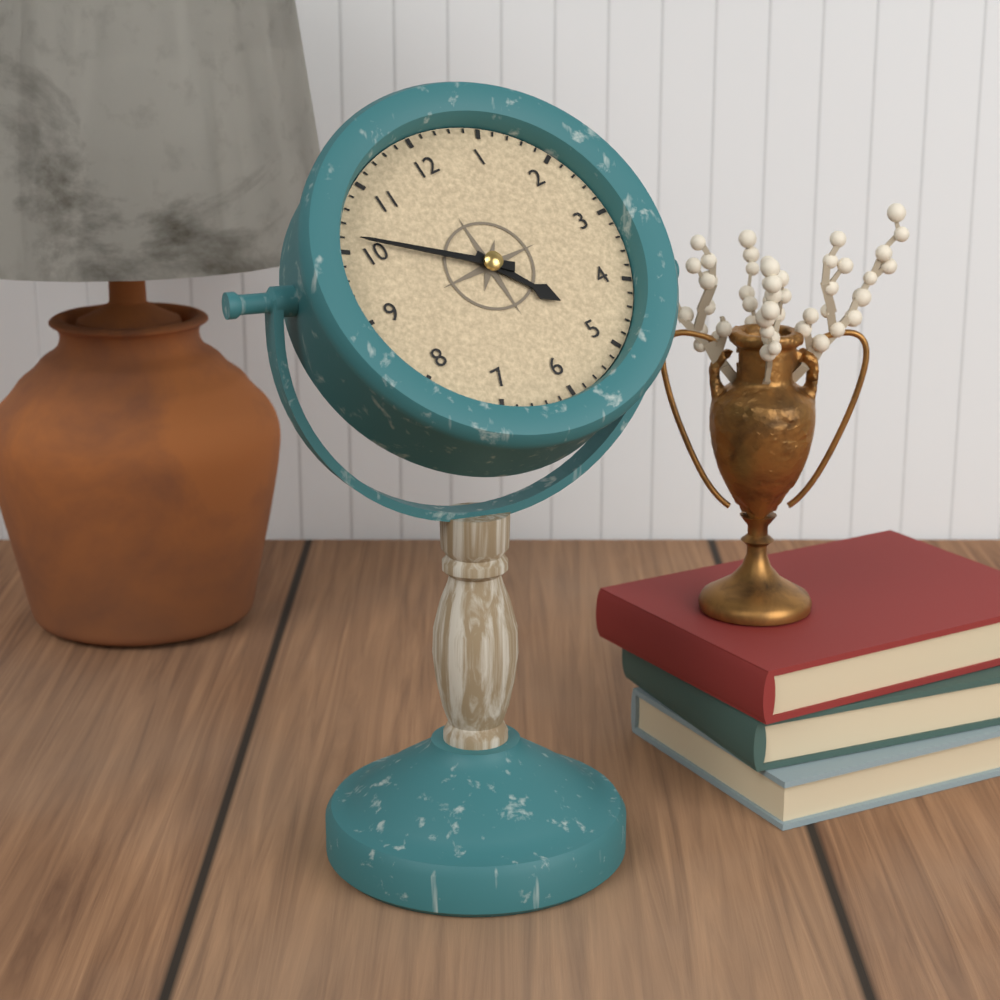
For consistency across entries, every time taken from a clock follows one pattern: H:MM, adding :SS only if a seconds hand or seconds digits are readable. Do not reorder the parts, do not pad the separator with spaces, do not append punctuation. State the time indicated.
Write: 4:51
